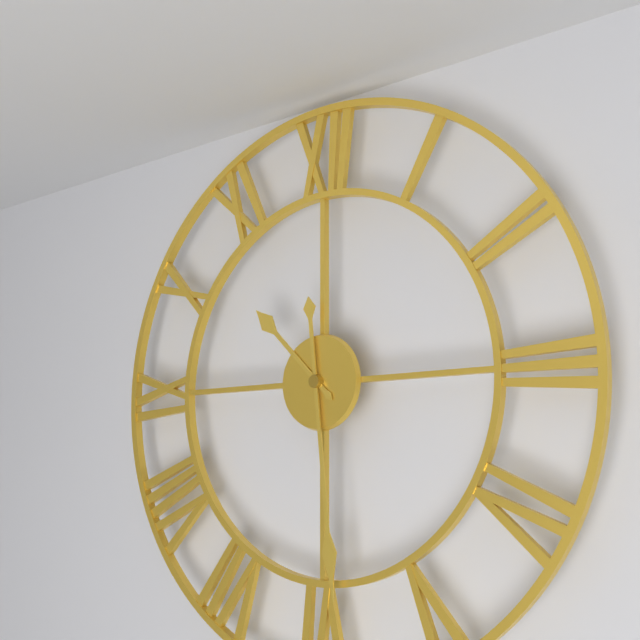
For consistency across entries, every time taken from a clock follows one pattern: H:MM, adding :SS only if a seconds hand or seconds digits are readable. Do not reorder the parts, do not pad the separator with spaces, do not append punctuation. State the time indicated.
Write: 10:29
